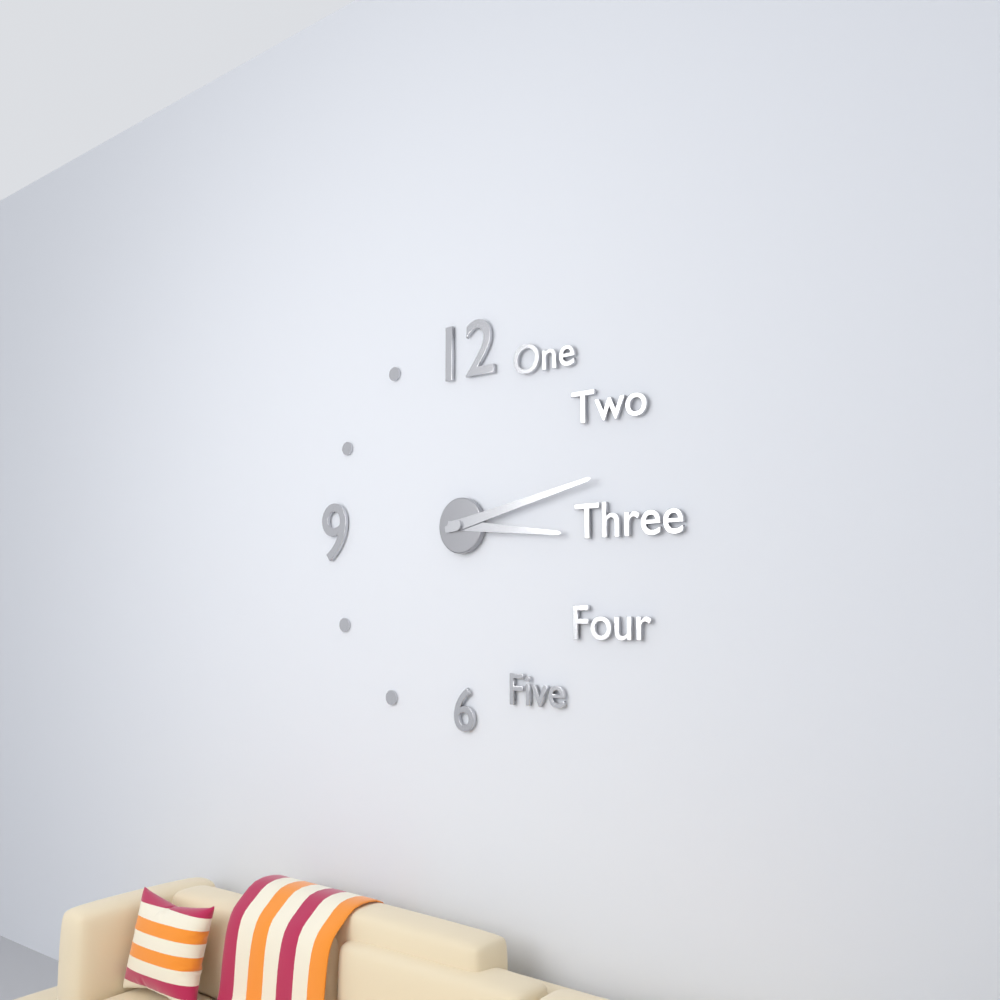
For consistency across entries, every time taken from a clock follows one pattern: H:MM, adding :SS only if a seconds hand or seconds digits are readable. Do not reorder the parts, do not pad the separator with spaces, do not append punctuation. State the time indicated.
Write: 3:13
